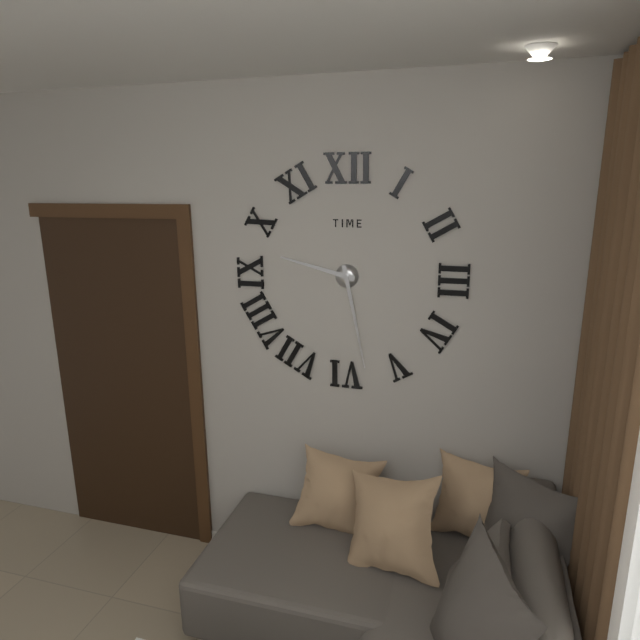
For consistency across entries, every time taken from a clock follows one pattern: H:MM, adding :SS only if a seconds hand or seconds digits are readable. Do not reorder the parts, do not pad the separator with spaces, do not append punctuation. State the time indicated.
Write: 9:28
